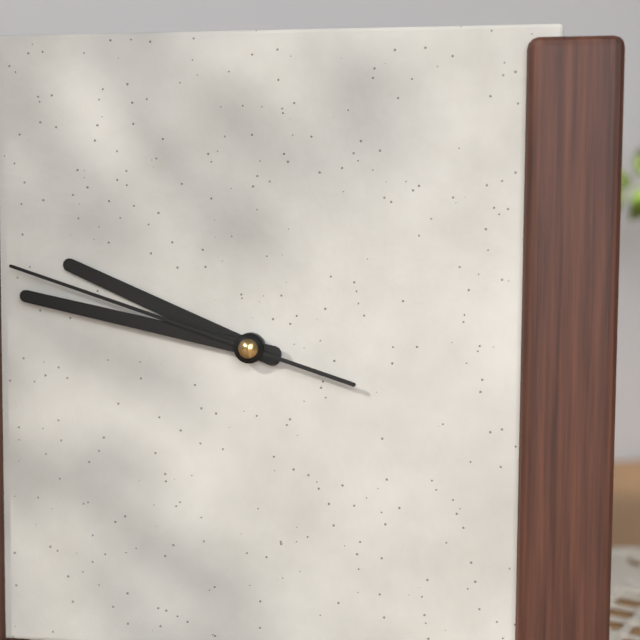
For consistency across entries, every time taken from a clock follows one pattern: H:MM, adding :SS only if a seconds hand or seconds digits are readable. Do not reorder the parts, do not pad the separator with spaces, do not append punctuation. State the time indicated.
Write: 9:47:48
